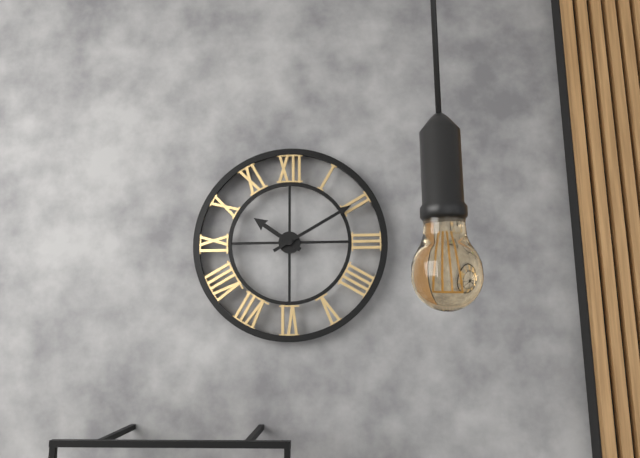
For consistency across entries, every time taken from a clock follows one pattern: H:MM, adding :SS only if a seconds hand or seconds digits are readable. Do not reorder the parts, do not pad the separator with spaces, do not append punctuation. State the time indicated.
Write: 10:10
